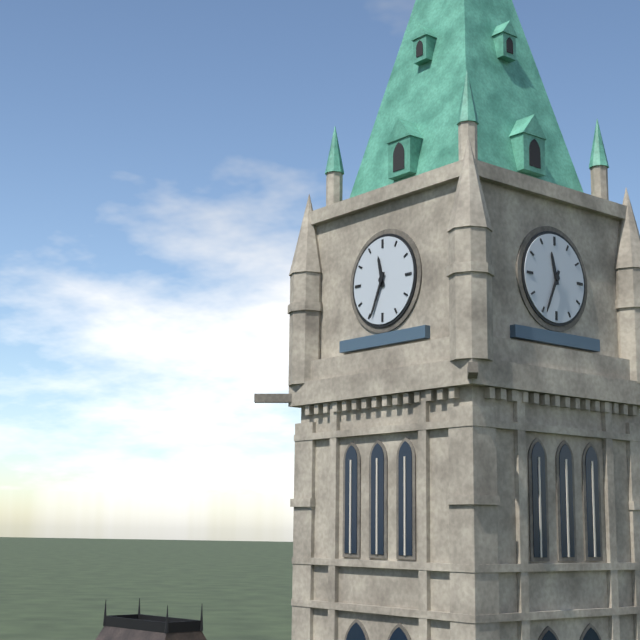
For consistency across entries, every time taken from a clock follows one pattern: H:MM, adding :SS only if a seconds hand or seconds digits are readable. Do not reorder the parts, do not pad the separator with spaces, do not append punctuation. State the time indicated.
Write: 11:34
